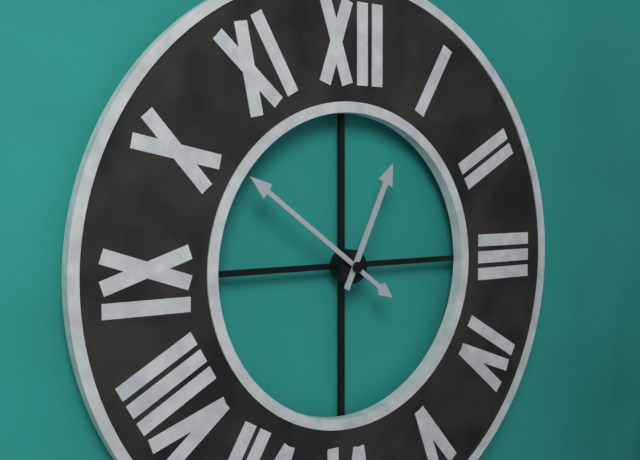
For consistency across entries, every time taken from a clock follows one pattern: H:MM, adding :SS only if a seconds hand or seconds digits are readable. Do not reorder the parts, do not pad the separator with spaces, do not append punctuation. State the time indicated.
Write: 12:51
